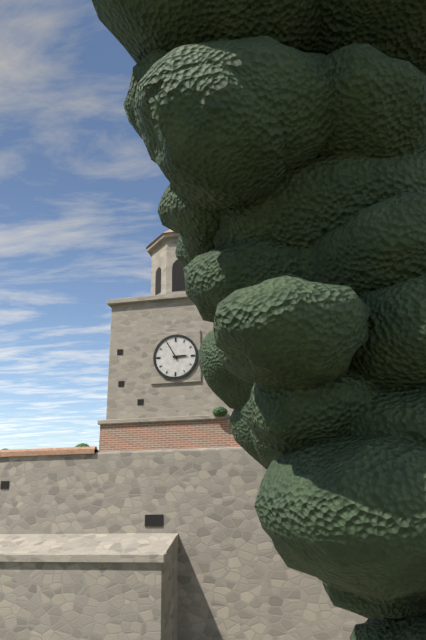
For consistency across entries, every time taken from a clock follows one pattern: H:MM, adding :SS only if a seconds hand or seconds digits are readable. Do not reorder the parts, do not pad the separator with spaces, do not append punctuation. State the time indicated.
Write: 2:55
